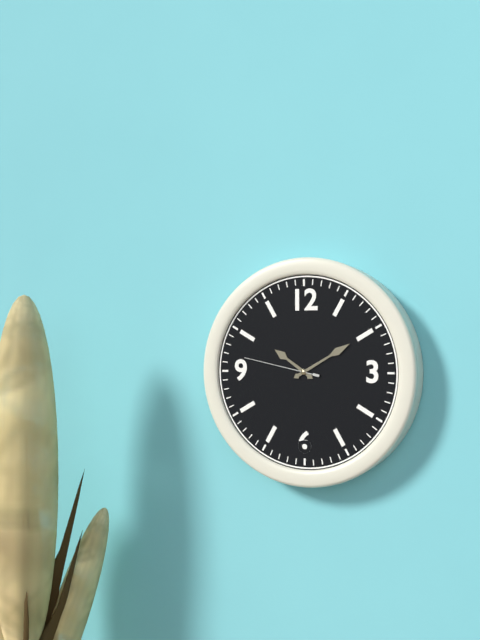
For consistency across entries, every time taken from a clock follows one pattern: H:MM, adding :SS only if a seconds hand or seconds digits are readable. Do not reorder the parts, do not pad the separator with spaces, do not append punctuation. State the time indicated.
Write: 10:10:47
